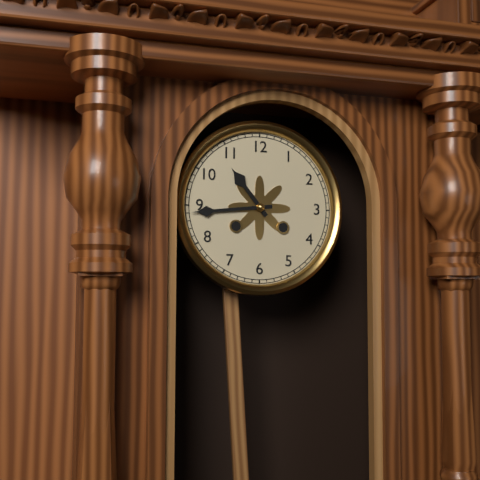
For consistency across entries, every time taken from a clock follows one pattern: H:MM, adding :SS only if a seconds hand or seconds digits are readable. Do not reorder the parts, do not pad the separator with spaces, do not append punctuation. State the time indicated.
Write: 10:44
